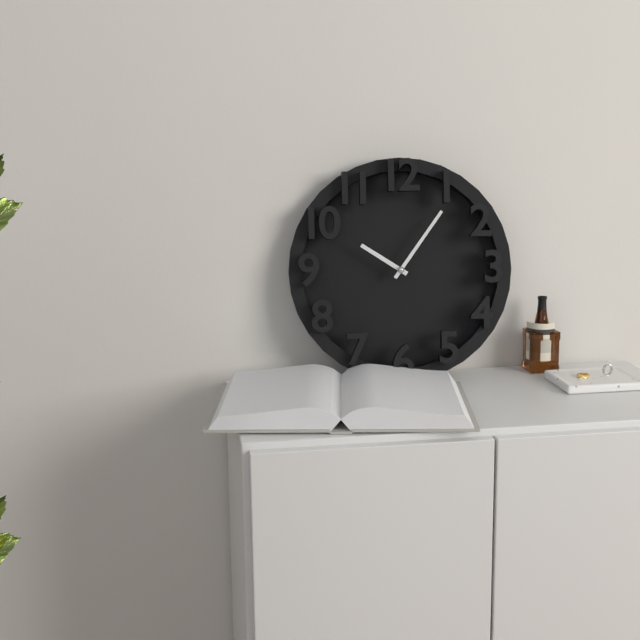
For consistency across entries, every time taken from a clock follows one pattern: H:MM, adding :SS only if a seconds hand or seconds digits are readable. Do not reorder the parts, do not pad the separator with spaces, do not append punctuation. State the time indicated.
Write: 10:06
